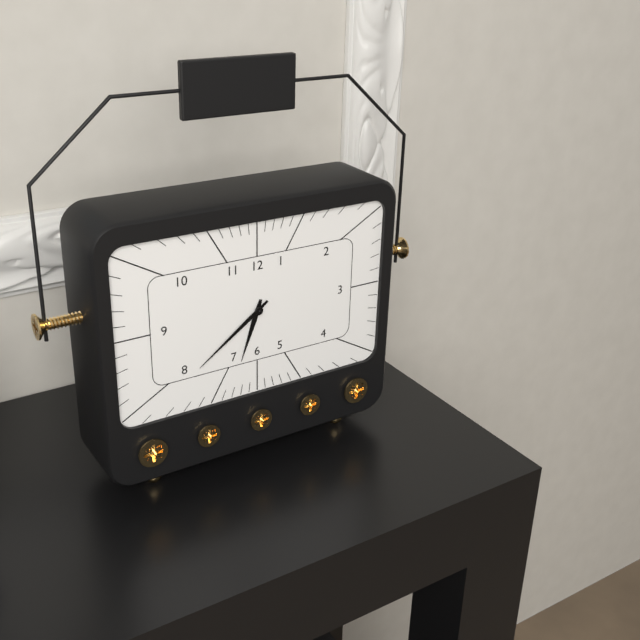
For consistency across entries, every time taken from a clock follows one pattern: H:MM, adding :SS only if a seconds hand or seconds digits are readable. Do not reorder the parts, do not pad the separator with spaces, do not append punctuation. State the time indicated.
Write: 6:39
